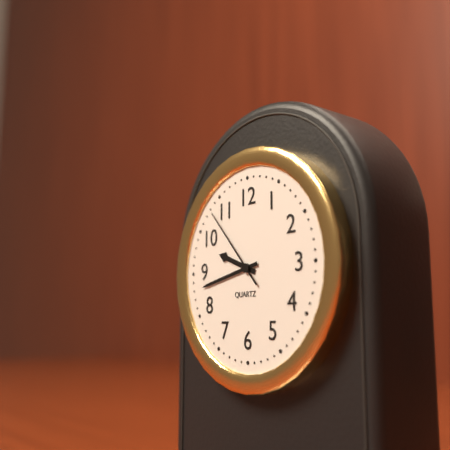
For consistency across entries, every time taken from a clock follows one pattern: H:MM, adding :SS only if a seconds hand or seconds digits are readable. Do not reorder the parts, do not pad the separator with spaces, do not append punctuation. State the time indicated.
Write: 9:43:53
